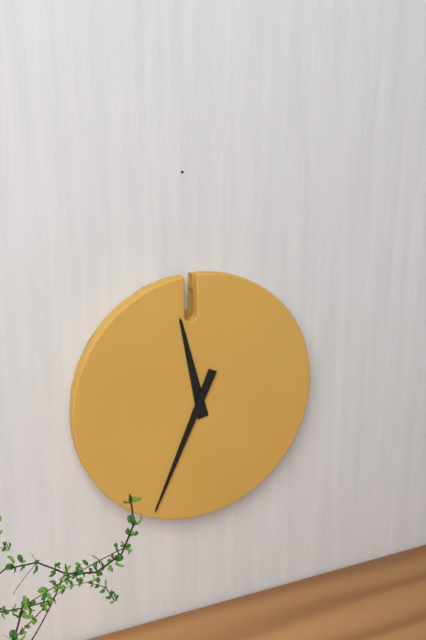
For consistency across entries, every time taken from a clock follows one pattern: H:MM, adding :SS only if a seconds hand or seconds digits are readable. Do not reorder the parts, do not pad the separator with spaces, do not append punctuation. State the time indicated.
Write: 11:34
